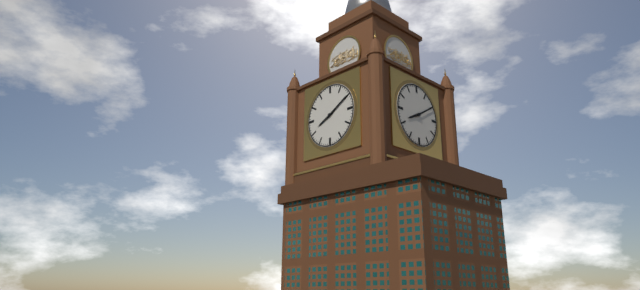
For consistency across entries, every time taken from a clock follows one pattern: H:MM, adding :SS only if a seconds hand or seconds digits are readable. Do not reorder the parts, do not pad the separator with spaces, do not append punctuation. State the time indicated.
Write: 8:10
